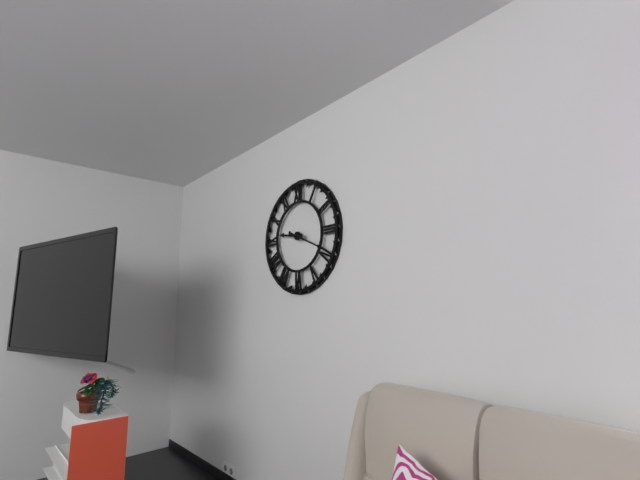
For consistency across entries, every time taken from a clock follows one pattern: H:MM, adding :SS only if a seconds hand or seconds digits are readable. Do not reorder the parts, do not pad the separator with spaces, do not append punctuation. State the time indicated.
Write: 9:19
